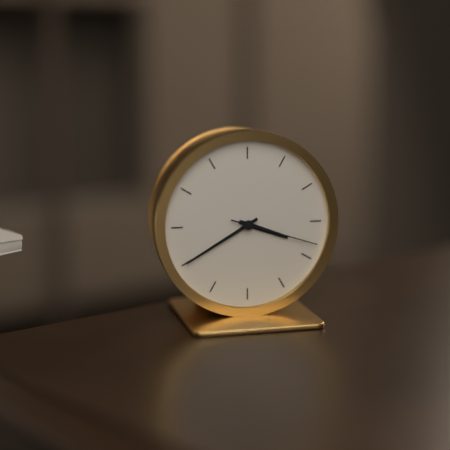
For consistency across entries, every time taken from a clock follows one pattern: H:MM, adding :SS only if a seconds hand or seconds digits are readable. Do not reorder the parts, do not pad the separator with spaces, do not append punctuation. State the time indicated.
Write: 3:40:18
